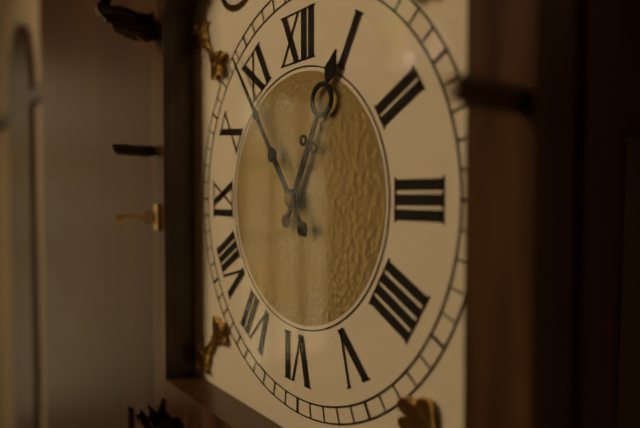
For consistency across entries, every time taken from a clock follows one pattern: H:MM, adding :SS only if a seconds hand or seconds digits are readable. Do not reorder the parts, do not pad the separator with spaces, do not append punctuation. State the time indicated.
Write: 12:54
